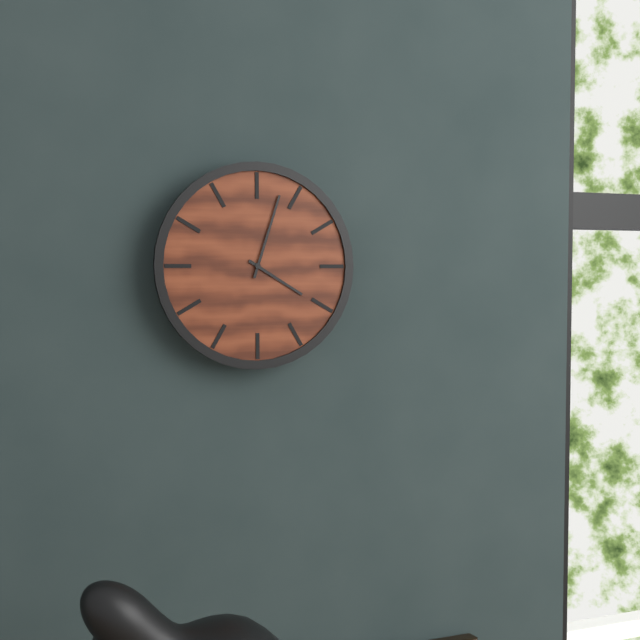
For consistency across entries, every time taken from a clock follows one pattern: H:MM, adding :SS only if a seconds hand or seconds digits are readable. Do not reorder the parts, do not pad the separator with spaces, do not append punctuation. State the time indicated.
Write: 4:03
